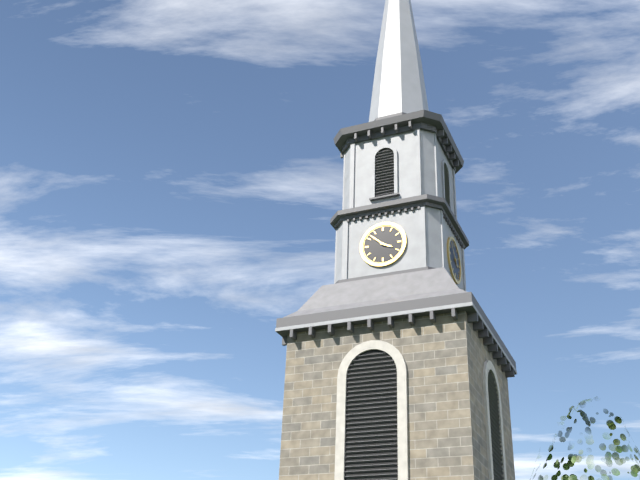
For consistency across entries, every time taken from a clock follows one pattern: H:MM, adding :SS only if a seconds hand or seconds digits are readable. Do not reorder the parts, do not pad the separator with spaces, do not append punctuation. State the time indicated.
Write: 3:52
